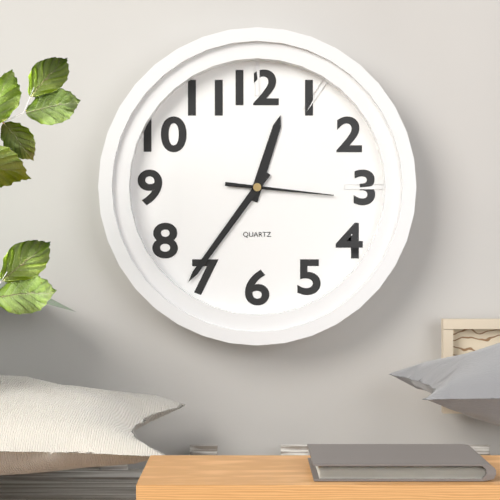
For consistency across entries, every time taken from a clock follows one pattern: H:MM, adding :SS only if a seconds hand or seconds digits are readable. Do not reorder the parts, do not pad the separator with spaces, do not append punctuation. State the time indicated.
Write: 12:36:16
